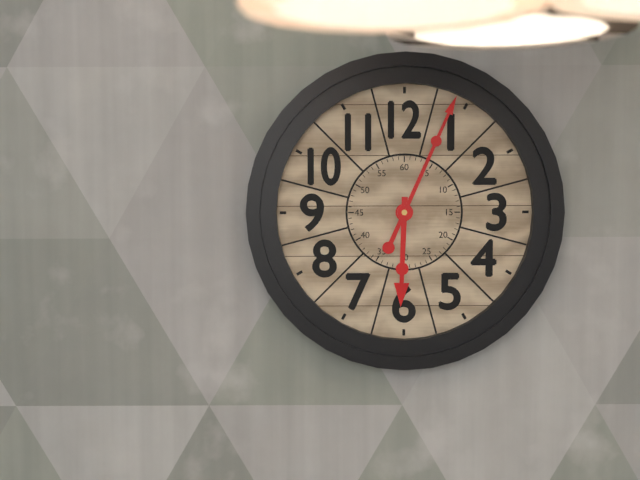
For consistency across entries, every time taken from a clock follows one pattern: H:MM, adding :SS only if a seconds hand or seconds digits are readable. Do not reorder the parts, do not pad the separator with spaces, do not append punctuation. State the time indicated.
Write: 6:04
